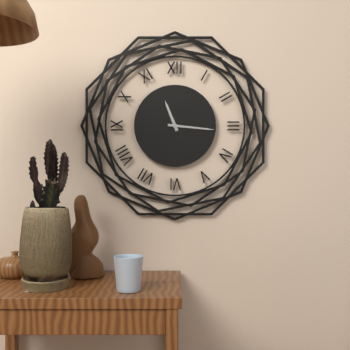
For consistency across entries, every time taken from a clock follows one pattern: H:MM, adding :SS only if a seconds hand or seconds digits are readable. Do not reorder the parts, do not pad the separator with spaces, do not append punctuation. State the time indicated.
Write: 11:16
